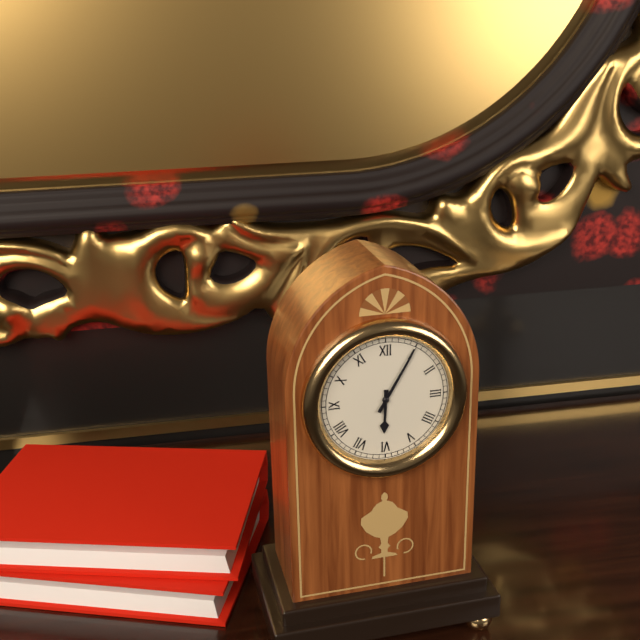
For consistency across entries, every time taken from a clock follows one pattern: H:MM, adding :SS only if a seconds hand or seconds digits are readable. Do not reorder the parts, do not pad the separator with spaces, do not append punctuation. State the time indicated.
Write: 6:05
